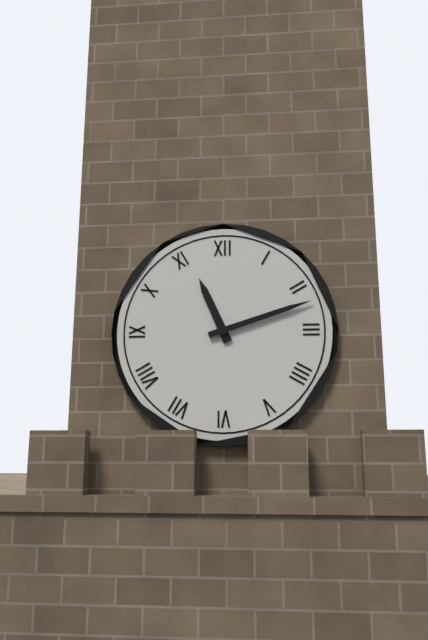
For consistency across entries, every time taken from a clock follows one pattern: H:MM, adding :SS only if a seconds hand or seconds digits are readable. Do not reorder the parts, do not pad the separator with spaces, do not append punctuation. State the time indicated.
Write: 11:12
